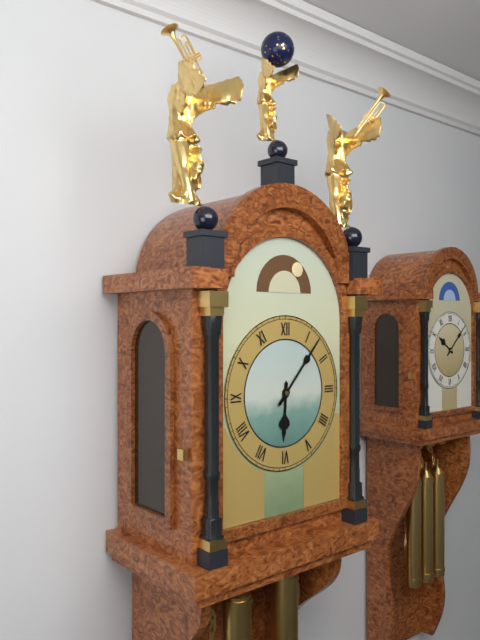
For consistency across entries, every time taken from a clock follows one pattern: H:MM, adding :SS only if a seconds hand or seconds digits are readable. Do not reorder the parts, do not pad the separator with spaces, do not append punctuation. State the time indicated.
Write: 6:07
